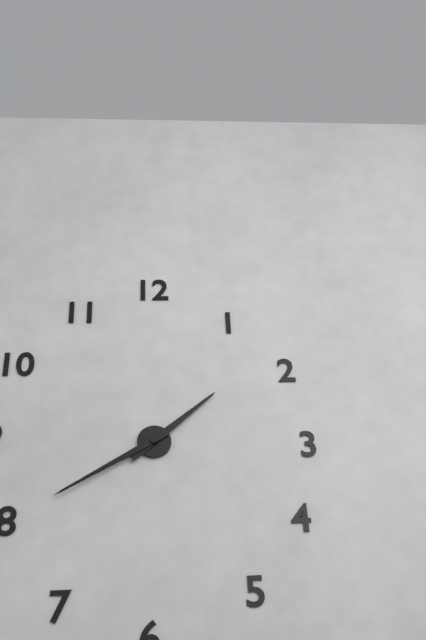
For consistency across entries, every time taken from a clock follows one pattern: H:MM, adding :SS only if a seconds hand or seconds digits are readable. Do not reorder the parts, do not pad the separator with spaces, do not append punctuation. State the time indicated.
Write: 1:40
